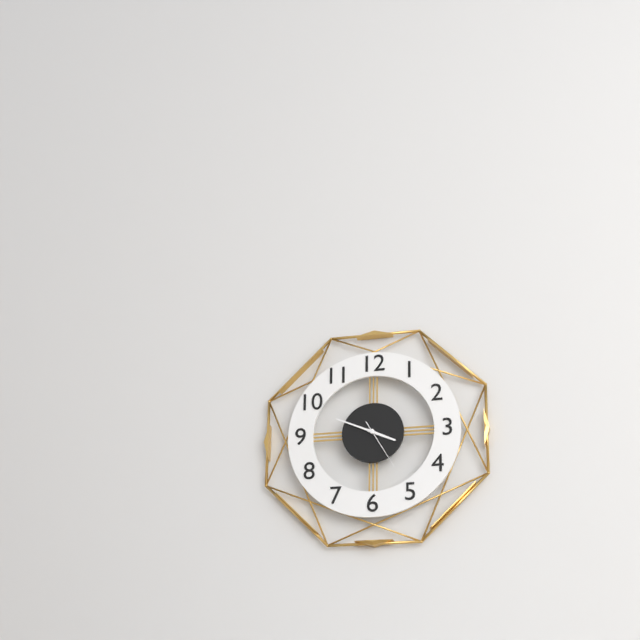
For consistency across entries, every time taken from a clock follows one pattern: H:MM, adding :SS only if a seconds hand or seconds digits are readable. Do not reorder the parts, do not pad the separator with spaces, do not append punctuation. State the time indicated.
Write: 3:49
